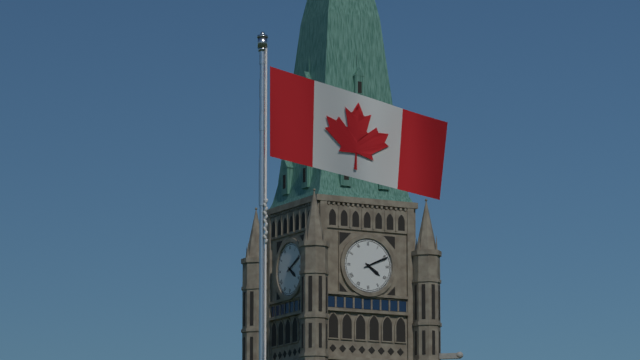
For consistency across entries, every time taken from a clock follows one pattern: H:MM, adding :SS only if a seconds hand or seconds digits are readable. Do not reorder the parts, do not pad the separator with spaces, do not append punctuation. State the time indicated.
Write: 4:11
